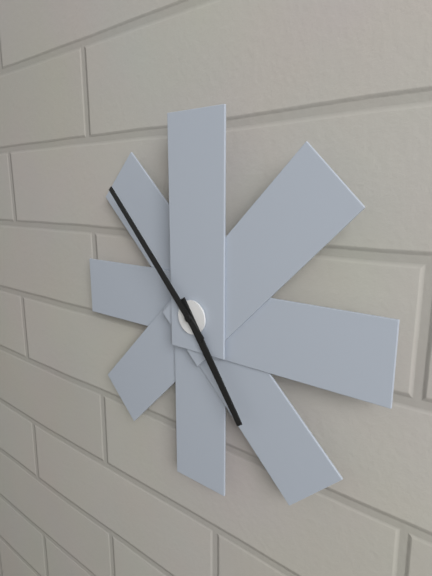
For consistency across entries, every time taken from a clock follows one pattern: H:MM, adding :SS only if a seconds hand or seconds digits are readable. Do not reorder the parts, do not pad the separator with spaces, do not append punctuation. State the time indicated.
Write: 4:53
